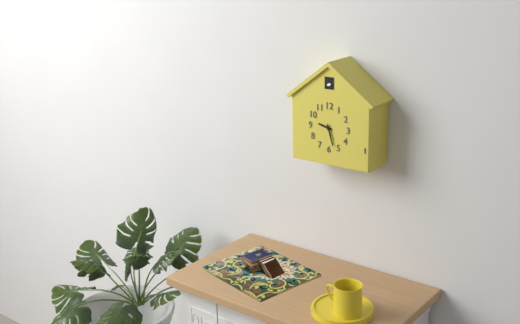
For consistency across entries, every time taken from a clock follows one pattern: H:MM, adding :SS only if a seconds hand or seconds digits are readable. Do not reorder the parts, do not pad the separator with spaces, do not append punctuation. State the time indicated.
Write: 9:27
